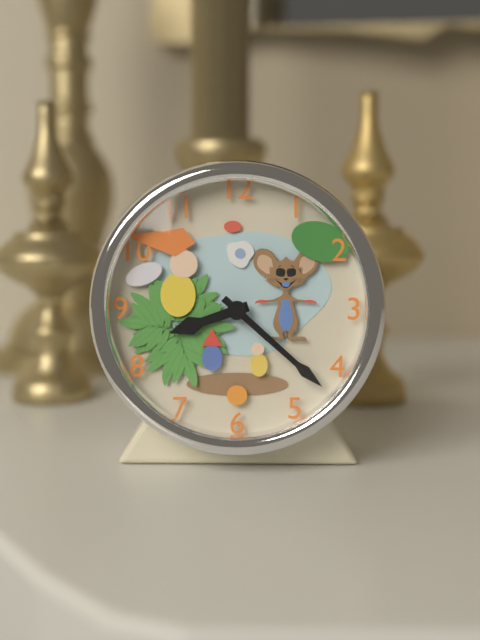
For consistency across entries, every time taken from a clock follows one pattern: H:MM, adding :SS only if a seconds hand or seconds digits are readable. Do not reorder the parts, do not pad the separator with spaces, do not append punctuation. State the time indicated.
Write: 8:22
